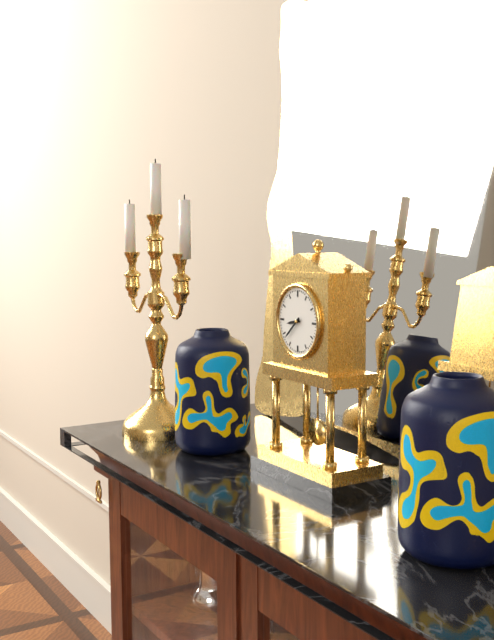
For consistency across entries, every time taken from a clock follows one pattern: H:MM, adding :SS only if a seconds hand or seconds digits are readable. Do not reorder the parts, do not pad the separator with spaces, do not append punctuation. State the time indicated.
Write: 8:38
